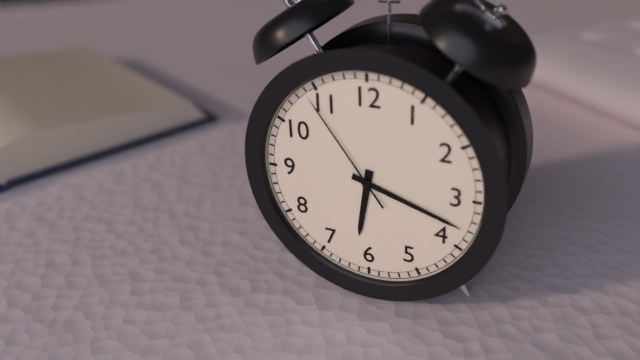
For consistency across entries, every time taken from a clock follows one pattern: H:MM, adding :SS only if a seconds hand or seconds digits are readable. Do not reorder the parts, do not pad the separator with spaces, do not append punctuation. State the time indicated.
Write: 6:18:54
